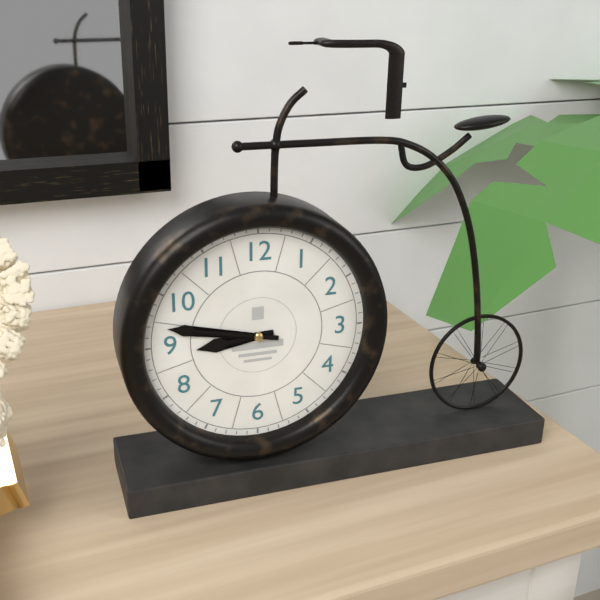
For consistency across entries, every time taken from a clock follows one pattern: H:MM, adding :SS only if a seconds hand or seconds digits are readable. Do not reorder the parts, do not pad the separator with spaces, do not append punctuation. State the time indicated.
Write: 8:47
